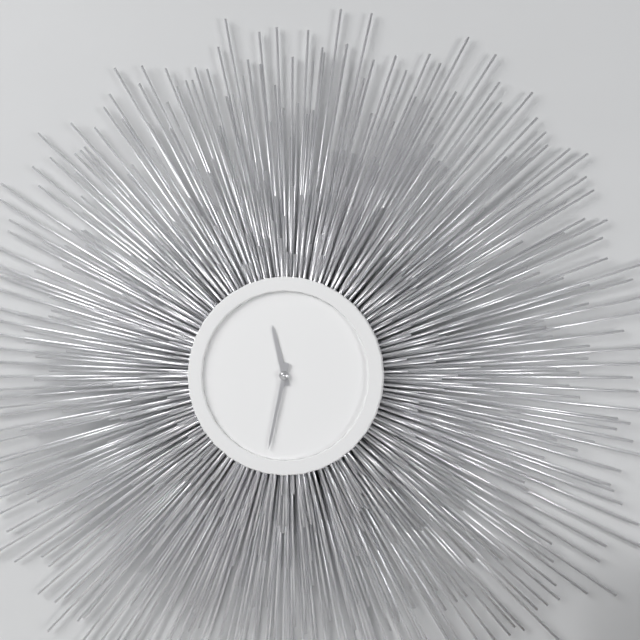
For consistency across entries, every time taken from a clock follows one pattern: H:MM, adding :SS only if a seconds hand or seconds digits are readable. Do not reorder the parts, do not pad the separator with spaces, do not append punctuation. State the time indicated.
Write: 11:32
